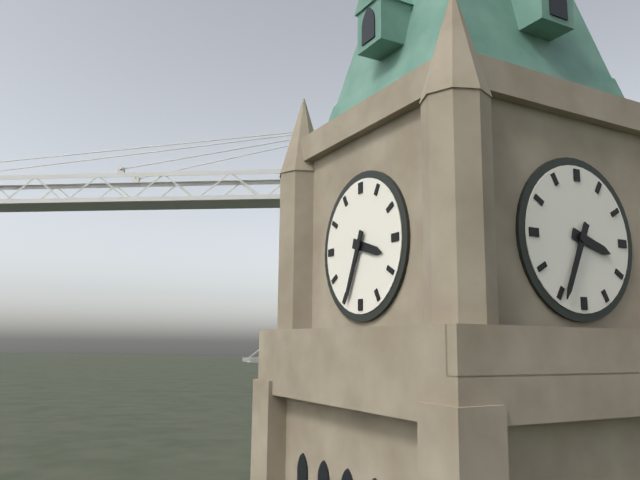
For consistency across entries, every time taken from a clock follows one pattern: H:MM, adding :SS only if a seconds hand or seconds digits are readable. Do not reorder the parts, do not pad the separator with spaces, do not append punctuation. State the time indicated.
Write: 3:34
